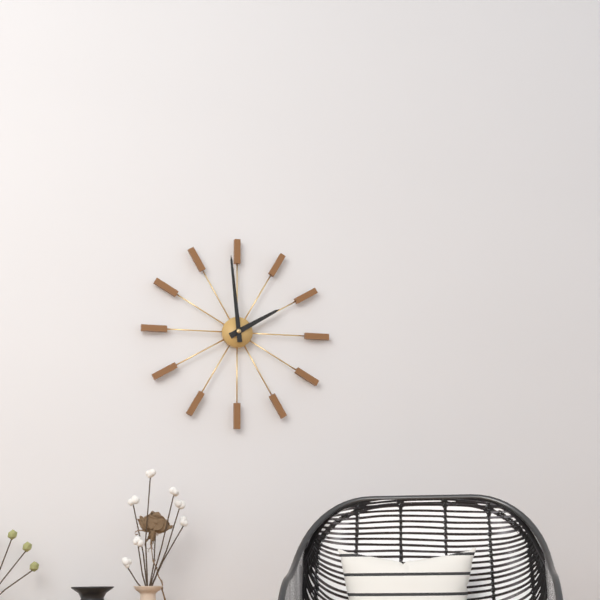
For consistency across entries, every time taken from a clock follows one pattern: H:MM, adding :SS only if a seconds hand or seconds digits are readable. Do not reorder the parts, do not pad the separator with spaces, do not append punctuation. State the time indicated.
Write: 1:59
